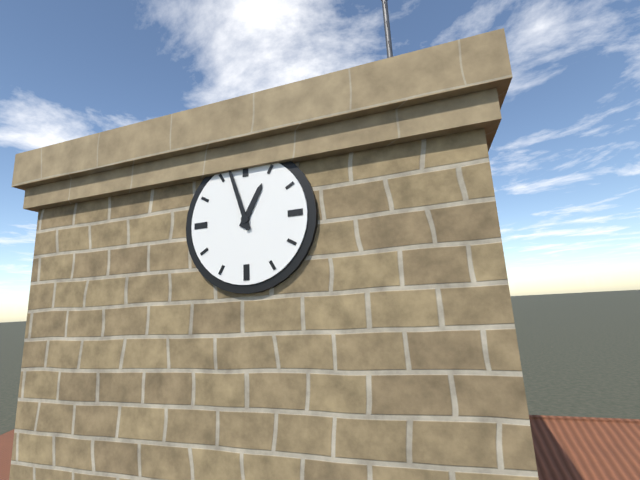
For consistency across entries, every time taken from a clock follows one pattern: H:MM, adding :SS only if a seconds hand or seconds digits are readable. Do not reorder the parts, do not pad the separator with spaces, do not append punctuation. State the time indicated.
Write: 12:57
